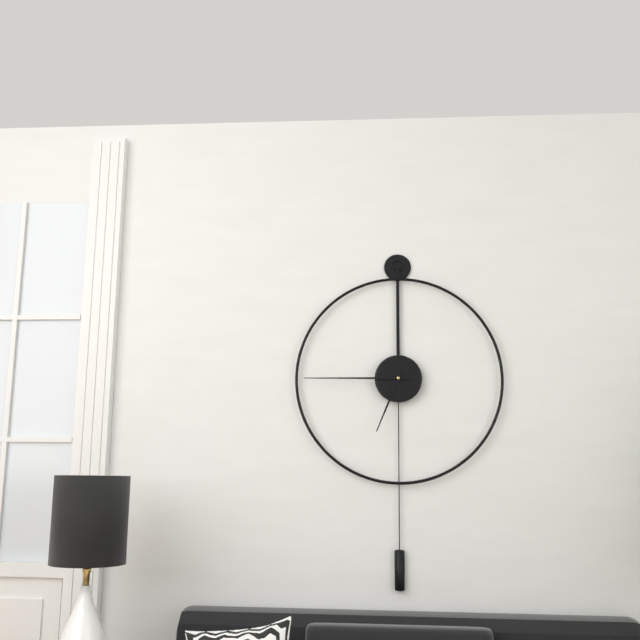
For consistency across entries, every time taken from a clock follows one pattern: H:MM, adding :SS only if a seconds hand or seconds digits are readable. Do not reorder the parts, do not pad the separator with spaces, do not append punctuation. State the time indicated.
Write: 6:45
